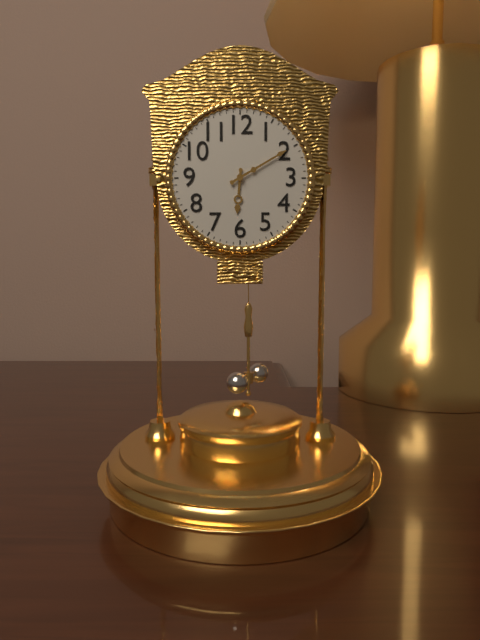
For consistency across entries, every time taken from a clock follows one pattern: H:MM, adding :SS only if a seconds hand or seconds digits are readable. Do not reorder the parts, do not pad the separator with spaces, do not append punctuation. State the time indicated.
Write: 6:10
